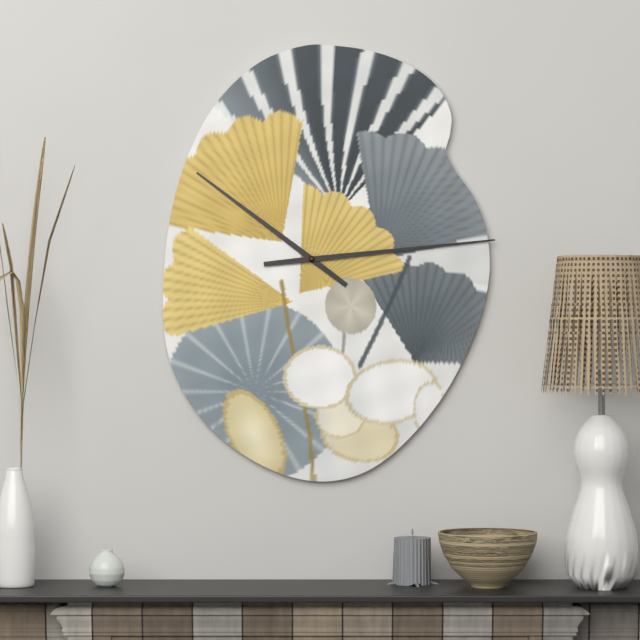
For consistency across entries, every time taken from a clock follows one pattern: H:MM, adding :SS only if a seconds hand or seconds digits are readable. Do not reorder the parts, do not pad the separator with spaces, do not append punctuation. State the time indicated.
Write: 10:14
